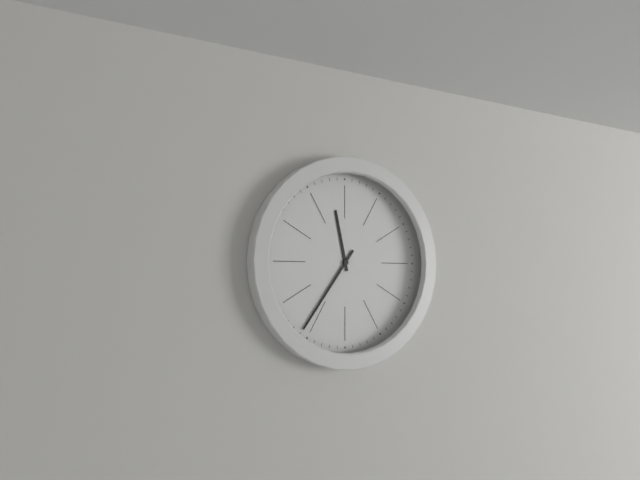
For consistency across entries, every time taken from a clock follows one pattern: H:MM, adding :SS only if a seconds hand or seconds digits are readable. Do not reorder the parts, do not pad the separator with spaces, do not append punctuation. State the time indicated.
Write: 11:36
